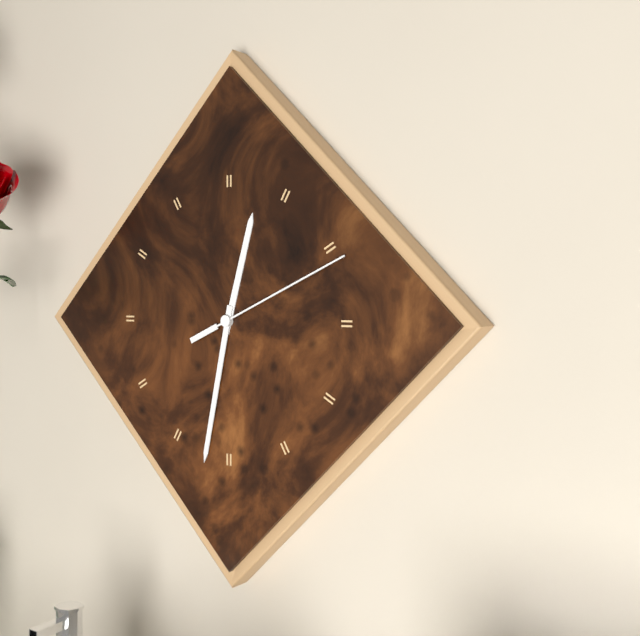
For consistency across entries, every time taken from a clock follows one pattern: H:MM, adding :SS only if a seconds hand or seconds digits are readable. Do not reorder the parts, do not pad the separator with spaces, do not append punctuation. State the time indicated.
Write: 12:32:11
